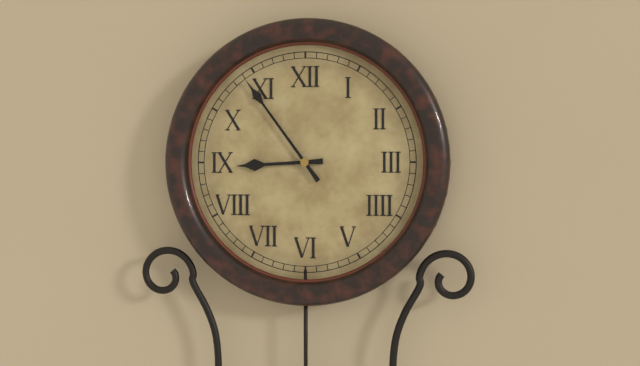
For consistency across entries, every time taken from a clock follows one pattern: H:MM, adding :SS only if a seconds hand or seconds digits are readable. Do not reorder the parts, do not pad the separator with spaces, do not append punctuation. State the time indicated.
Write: 8:54
